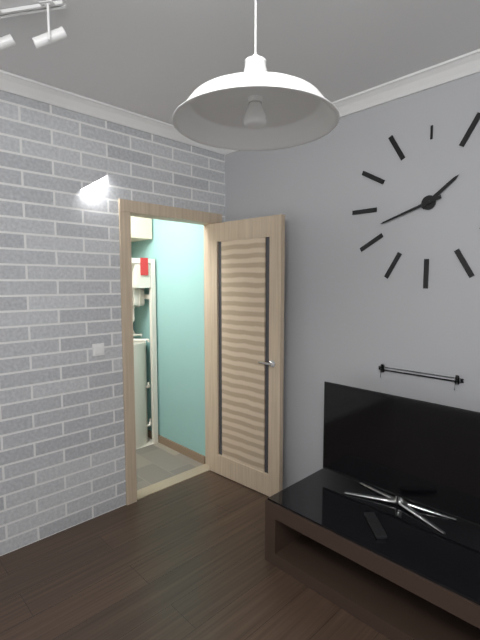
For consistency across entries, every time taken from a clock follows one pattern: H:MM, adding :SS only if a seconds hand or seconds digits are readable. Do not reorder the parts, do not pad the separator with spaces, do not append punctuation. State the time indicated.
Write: 1:42
